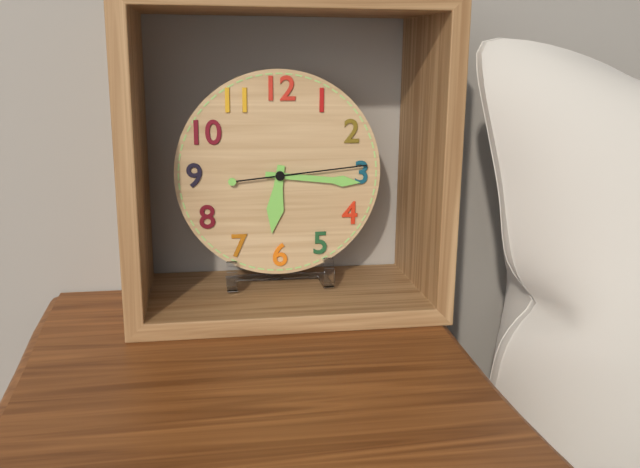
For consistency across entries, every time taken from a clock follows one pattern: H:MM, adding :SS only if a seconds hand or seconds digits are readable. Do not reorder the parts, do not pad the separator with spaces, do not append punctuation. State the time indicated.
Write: 6:16:14
